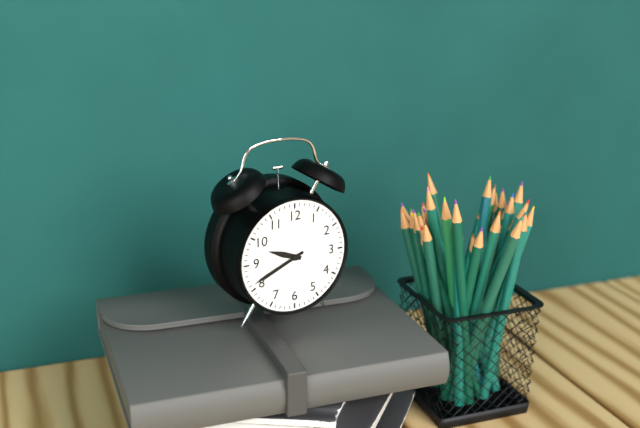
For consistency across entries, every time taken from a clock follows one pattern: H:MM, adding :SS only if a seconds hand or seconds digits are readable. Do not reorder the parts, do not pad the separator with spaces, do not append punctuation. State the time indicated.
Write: 9:41
